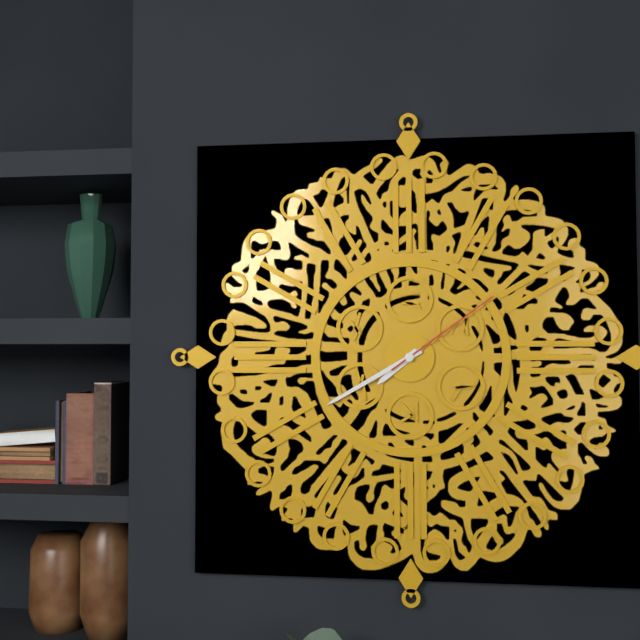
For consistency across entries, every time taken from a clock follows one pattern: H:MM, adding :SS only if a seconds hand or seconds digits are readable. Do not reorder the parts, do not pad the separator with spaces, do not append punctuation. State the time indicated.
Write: 7:40:09
